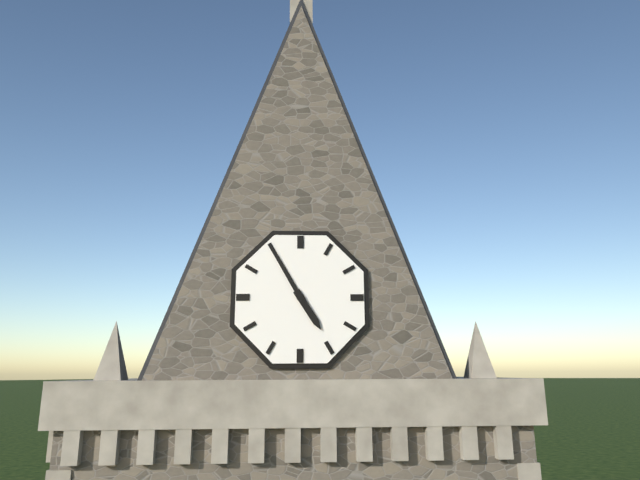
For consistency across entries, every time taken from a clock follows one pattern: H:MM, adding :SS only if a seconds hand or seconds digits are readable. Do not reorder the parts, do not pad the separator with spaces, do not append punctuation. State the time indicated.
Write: 4:55
